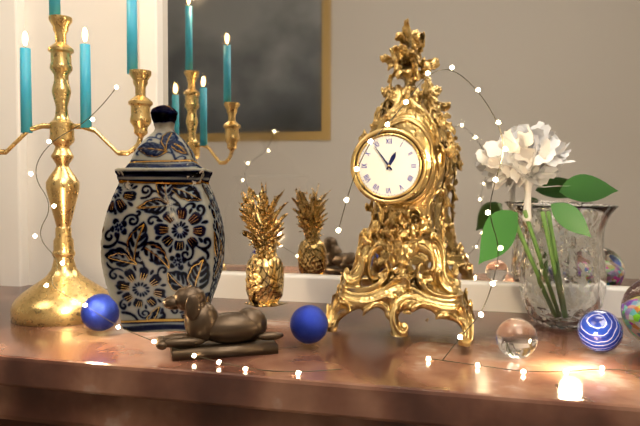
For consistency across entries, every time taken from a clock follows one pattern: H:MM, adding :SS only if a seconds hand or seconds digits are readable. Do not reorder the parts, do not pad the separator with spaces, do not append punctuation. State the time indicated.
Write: 12:54
